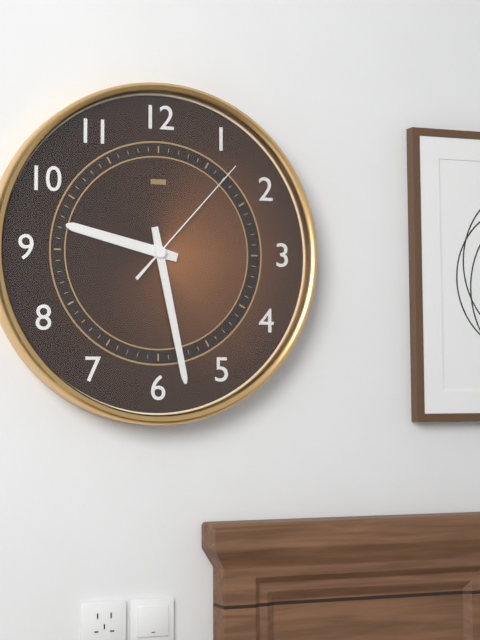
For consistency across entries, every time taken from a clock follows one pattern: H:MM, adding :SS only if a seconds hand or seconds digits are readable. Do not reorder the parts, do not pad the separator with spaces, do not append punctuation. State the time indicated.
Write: 9:28:07
